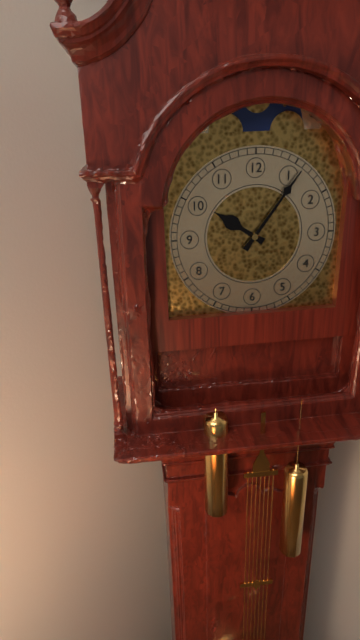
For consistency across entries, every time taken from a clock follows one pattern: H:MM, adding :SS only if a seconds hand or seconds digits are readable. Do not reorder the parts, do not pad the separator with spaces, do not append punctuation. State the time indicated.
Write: 10:06
